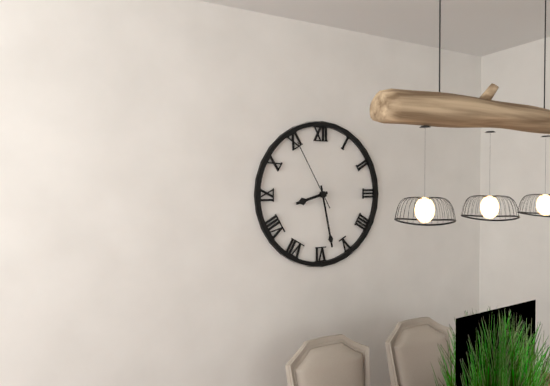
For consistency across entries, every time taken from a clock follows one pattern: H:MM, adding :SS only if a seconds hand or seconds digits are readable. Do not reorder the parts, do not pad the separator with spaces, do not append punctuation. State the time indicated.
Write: 8:28:55
